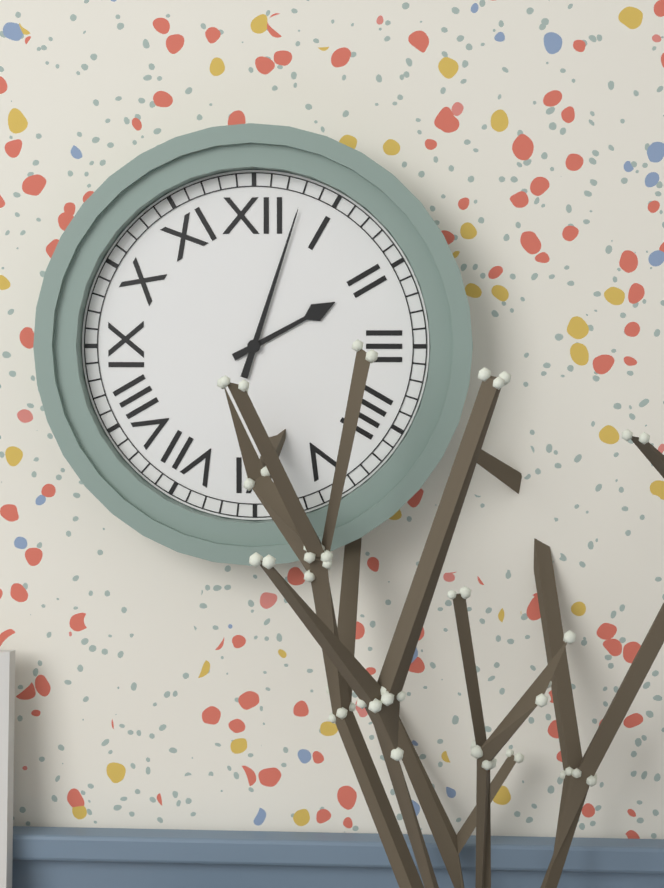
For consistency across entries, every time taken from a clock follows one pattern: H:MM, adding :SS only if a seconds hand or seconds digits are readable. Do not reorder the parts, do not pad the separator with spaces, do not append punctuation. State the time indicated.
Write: 2:03
